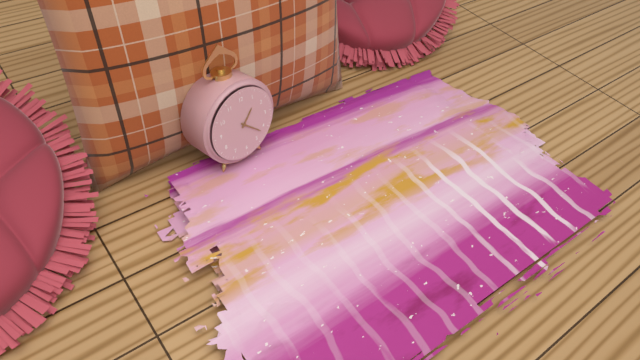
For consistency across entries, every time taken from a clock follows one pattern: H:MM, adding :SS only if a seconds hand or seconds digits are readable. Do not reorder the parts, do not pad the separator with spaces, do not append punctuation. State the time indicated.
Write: 1:22
